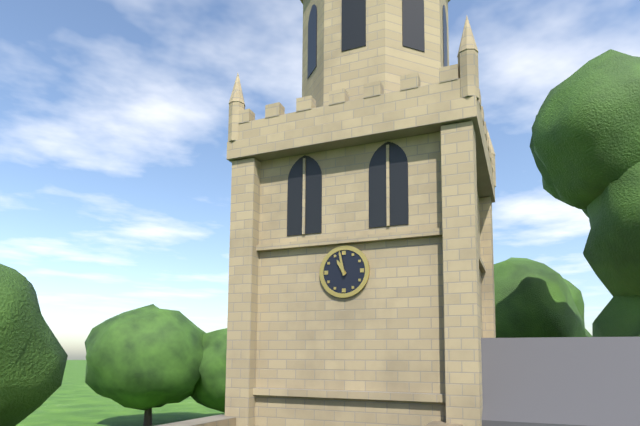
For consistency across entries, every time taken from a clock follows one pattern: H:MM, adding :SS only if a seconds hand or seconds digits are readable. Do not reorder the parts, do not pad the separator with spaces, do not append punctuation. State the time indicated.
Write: 10:58
